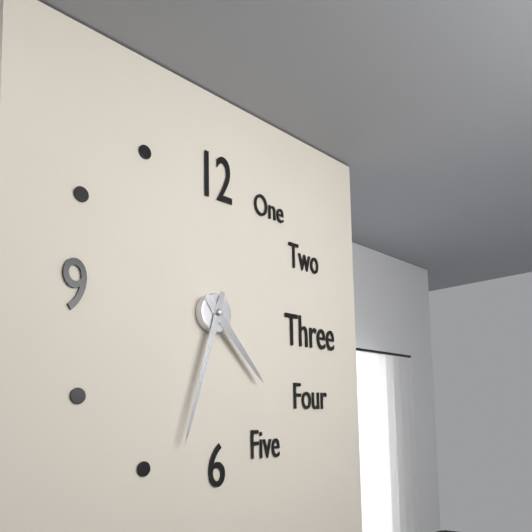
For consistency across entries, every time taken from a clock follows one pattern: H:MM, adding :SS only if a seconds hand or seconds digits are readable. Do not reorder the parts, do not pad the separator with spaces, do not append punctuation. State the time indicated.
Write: 4:33
